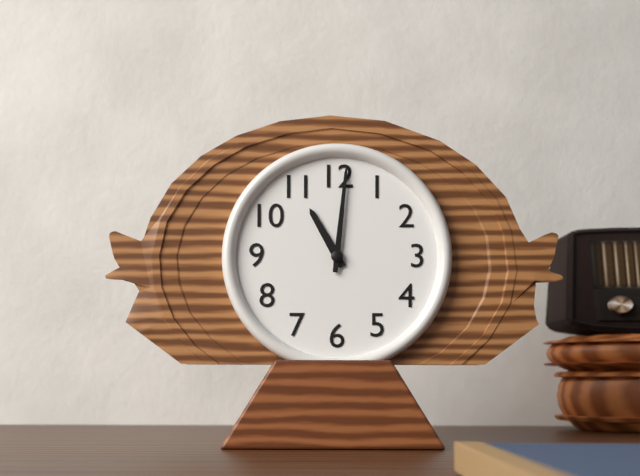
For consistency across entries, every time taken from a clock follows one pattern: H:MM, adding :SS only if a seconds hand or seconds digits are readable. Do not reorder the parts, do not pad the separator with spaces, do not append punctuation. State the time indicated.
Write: 11:01
